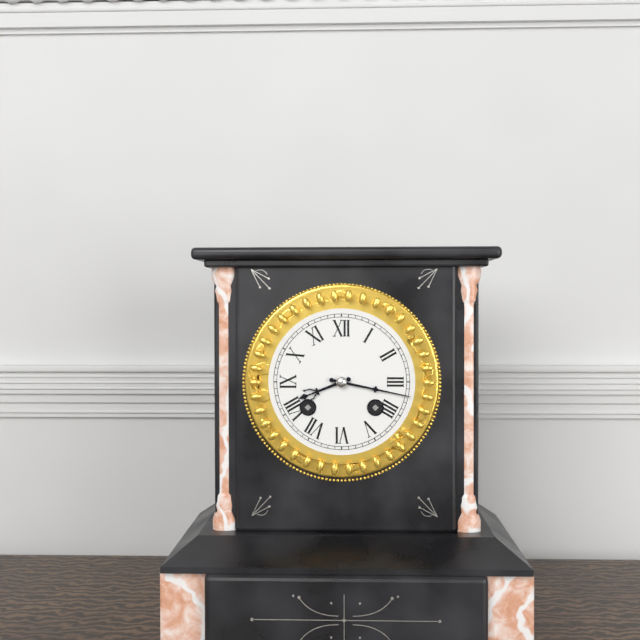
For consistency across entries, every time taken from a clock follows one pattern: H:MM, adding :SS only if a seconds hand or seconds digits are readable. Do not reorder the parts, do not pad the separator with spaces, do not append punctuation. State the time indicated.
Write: 8:17
